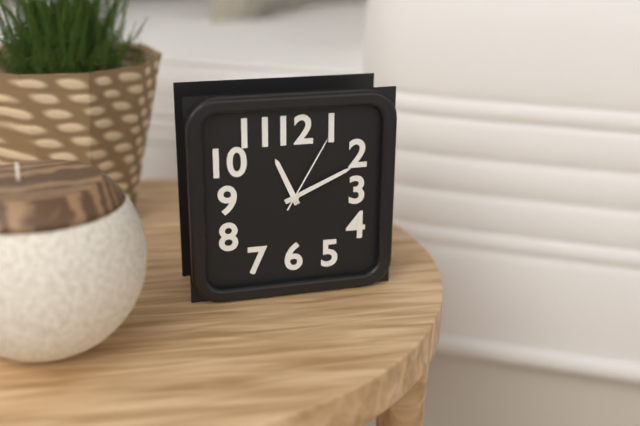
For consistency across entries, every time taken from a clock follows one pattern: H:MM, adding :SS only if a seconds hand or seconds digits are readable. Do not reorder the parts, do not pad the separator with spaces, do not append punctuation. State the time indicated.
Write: 11:11:05
